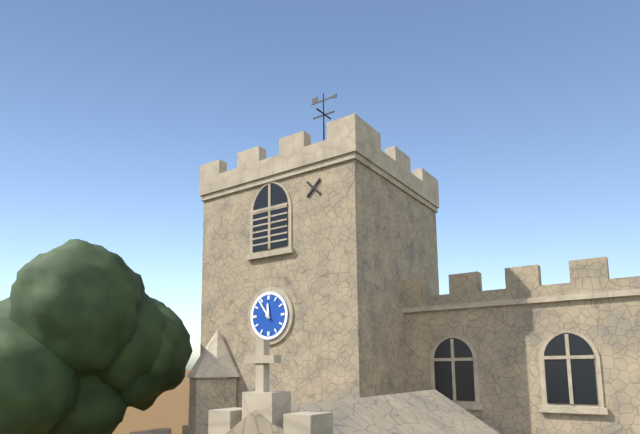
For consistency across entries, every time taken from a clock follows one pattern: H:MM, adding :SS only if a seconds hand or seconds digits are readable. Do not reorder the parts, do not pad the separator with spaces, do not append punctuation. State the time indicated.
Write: 11:54
